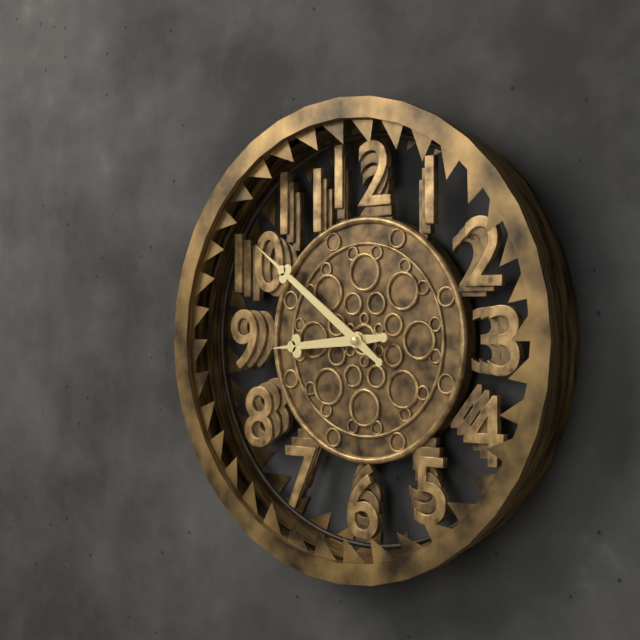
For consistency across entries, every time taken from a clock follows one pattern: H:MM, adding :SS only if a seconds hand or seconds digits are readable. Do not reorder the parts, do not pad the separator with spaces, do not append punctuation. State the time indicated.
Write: 8:51
